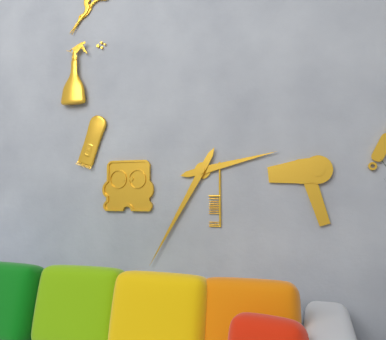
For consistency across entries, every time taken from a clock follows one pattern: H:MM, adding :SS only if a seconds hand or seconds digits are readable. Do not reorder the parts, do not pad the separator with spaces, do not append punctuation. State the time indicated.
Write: 2:35
